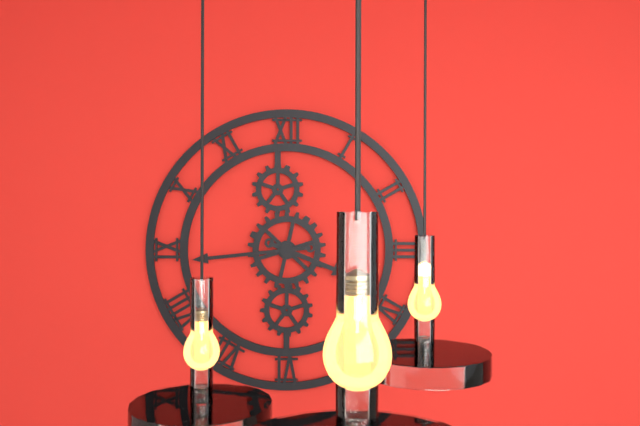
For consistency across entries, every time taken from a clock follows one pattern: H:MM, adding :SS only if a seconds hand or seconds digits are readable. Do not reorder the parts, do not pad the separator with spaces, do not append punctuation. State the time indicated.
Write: 3:44
